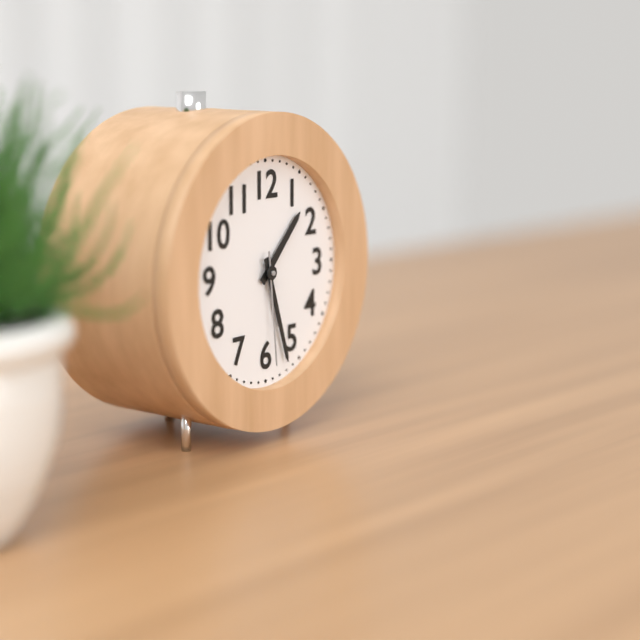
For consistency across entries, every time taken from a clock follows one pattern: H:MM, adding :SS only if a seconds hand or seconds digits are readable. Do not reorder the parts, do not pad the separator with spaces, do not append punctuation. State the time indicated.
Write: 1:27:29
